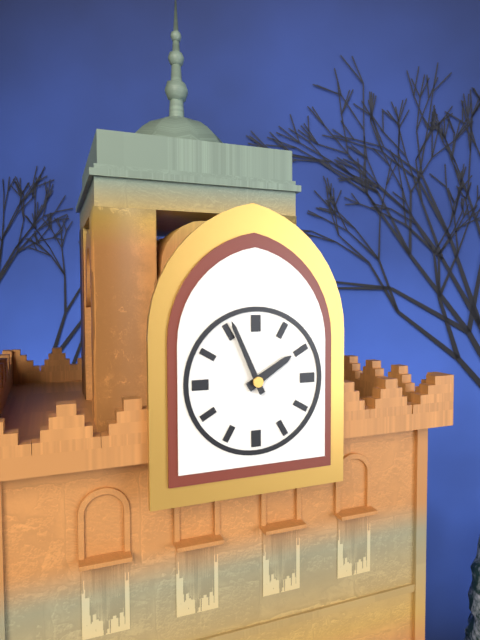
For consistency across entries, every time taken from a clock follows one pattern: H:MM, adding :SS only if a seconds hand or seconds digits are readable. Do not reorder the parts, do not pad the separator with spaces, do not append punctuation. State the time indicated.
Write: 1:56
